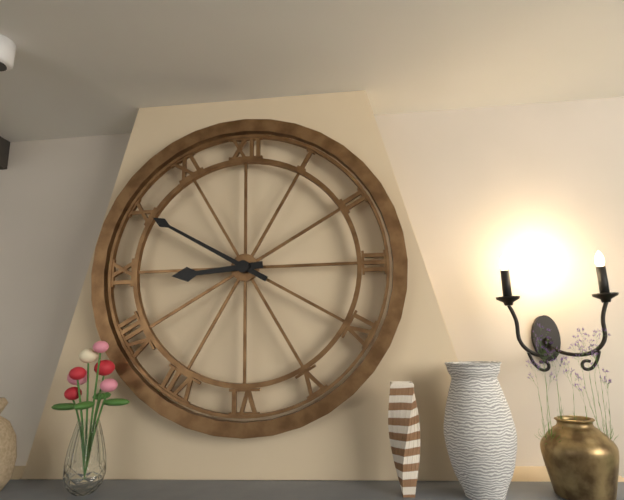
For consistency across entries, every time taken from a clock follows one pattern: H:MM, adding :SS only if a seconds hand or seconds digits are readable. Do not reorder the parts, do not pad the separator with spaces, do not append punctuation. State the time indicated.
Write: 8:50
